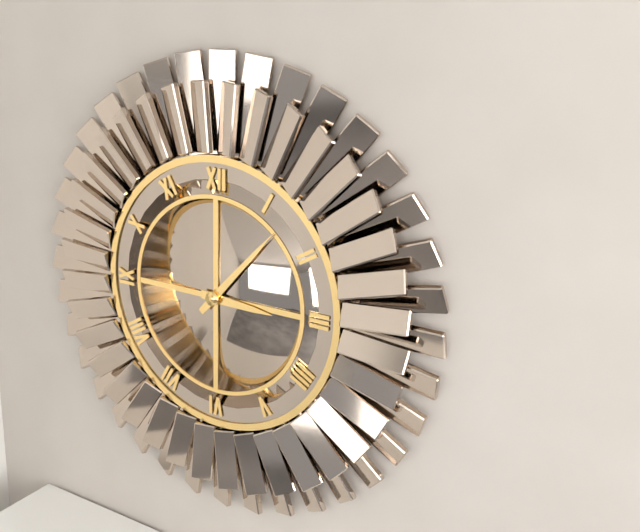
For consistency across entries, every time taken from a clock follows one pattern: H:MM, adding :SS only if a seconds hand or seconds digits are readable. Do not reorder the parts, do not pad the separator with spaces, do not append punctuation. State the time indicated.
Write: 3:07
